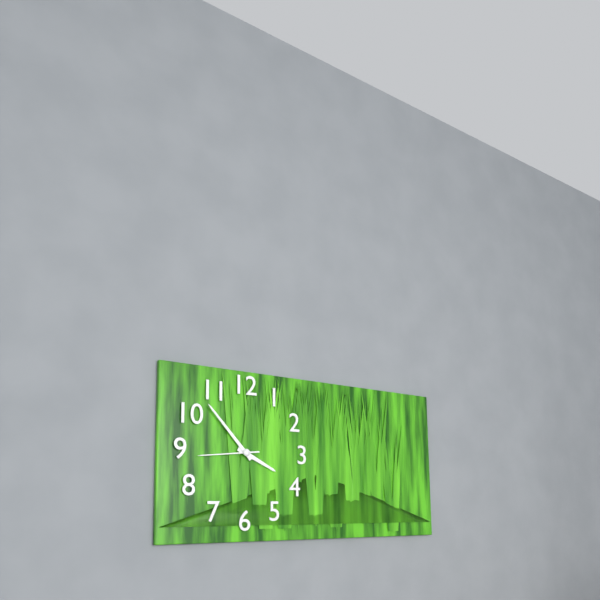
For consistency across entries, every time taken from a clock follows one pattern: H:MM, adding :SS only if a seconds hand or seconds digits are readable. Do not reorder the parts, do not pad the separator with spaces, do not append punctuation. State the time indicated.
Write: 3:53:44
